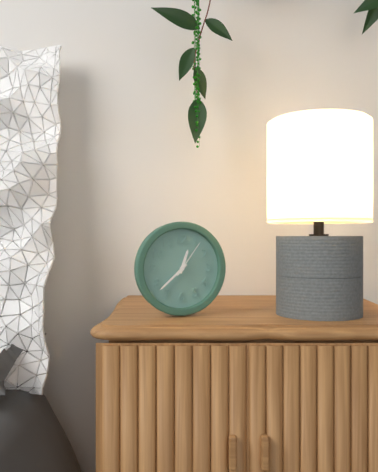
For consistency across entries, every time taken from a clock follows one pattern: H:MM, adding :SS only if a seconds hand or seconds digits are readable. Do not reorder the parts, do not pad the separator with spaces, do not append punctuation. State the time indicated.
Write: 12:38
